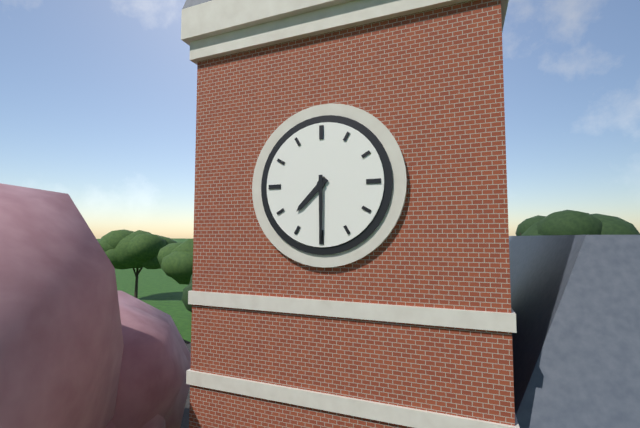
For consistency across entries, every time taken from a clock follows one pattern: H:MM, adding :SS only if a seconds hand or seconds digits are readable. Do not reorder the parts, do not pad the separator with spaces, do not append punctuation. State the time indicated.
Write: 7:30
